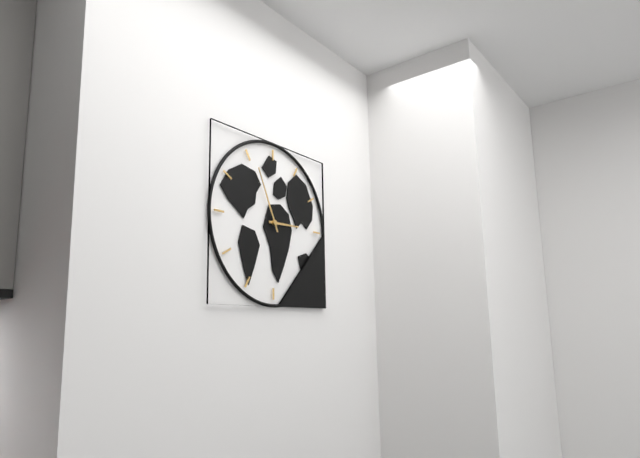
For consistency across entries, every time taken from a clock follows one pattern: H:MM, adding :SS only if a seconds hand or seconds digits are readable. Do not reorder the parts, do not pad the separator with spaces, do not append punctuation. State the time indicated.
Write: 2:56
